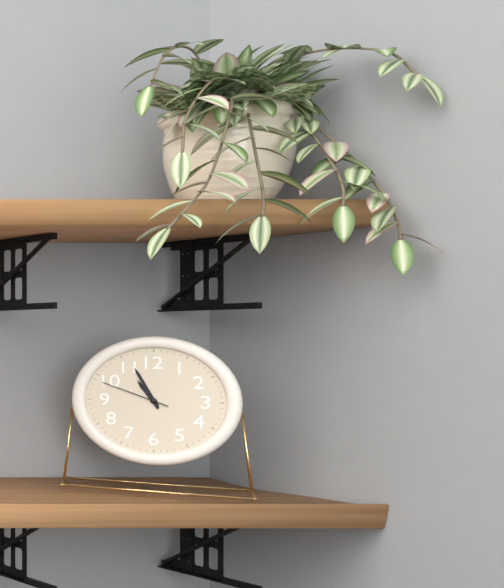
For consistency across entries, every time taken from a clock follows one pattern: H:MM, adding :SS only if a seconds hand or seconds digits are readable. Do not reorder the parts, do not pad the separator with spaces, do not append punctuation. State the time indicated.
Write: 10:56:49
